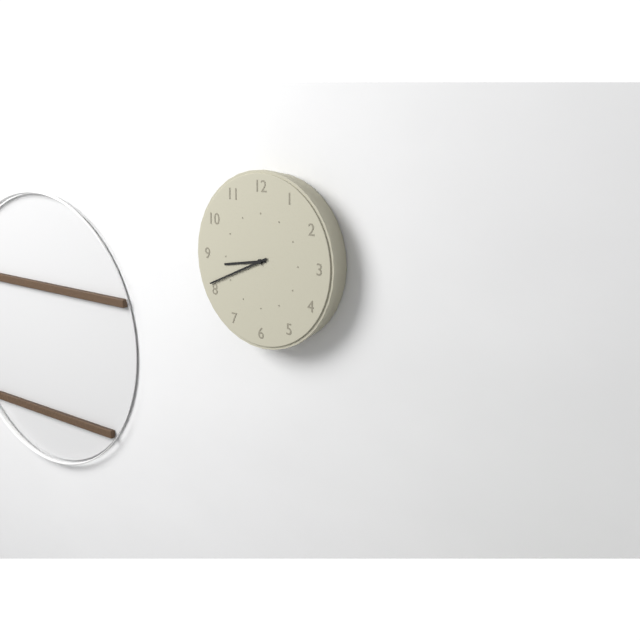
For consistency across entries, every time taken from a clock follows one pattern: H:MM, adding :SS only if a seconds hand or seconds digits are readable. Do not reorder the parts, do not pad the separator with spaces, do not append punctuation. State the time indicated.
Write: 8:41
